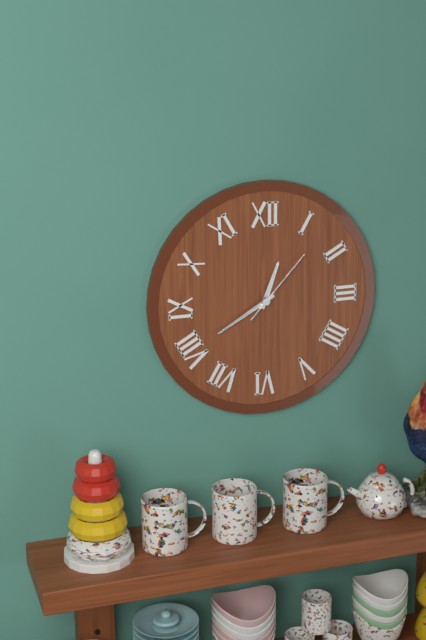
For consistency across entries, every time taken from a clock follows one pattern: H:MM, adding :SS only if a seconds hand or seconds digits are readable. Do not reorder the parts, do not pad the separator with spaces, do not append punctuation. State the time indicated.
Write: 12:40:07
